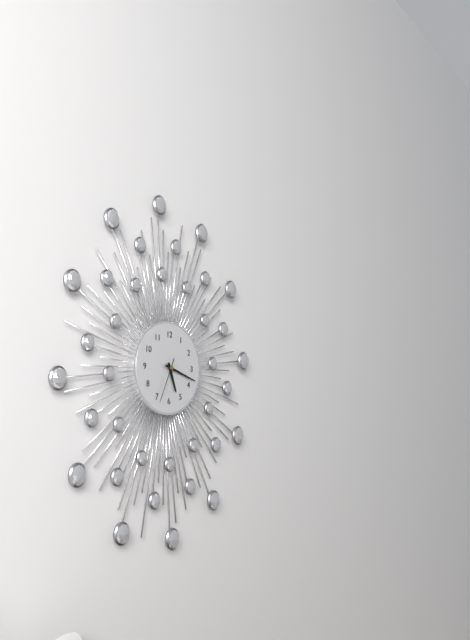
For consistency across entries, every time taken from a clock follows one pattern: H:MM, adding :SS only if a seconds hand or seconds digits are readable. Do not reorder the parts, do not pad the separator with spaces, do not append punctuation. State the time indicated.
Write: 5:18
